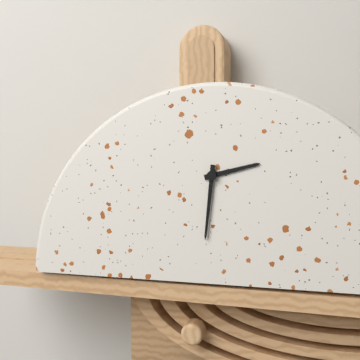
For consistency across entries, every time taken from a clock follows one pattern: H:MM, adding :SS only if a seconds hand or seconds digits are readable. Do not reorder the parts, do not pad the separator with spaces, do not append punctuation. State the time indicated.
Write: 2:31
